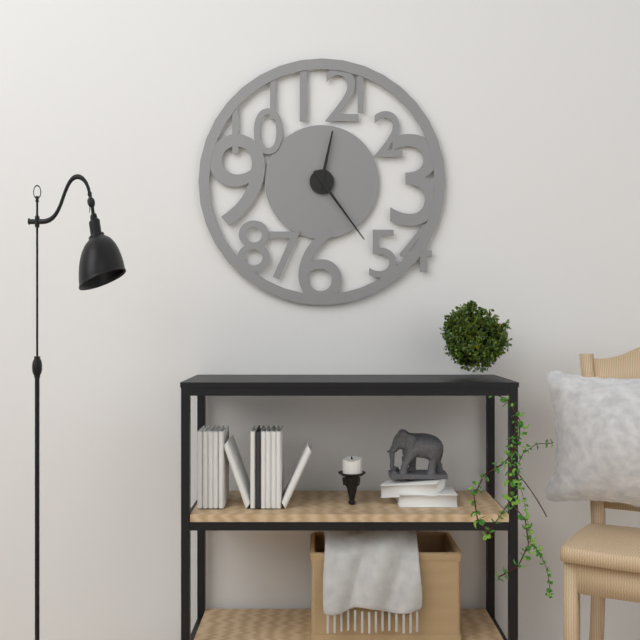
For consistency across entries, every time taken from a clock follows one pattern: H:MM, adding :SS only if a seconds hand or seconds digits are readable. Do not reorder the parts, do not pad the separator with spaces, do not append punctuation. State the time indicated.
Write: 12:24
